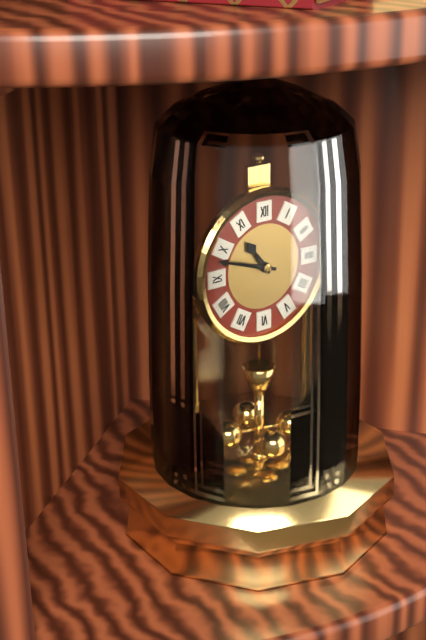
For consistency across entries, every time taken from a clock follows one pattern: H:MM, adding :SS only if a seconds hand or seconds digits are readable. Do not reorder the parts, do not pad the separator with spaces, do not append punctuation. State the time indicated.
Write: 10:48
